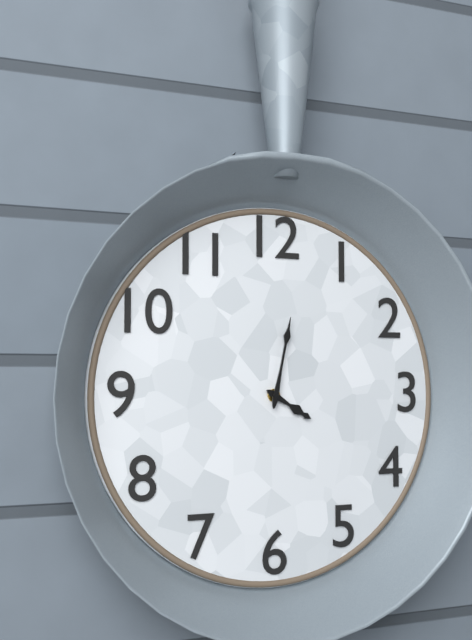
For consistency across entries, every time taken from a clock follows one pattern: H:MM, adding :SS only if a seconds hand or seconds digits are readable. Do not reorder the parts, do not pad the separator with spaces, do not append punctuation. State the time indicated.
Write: 4:02
